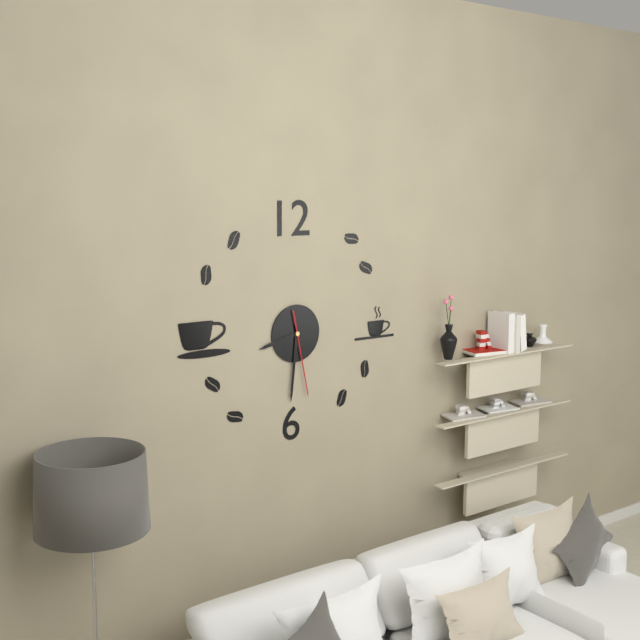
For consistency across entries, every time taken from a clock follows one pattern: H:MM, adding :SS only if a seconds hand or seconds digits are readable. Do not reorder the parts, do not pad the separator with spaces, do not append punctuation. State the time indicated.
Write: 8:31:28
